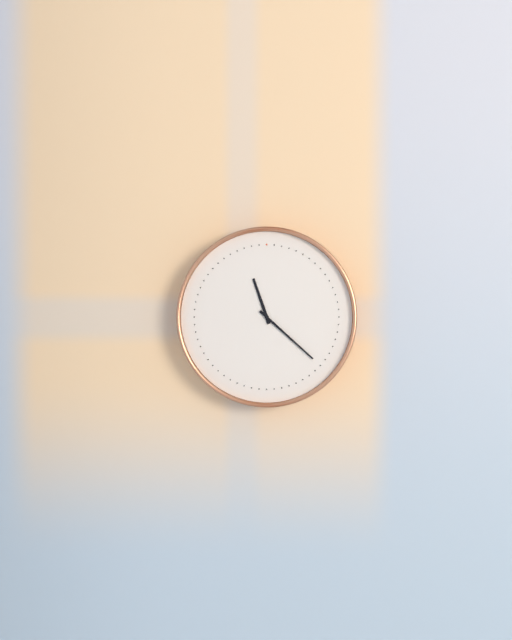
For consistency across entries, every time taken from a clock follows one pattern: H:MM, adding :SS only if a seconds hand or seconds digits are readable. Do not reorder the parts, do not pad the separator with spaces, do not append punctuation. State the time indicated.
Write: 11:22
